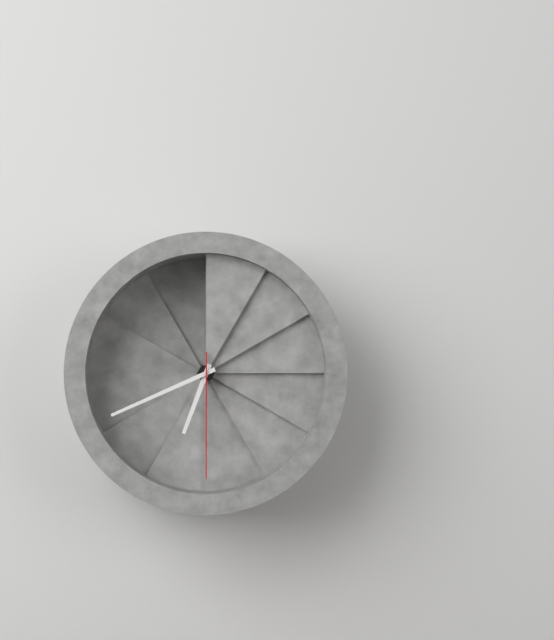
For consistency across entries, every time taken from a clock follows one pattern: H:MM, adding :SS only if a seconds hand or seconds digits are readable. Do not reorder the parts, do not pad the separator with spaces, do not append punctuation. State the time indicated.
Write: 6:41:30
